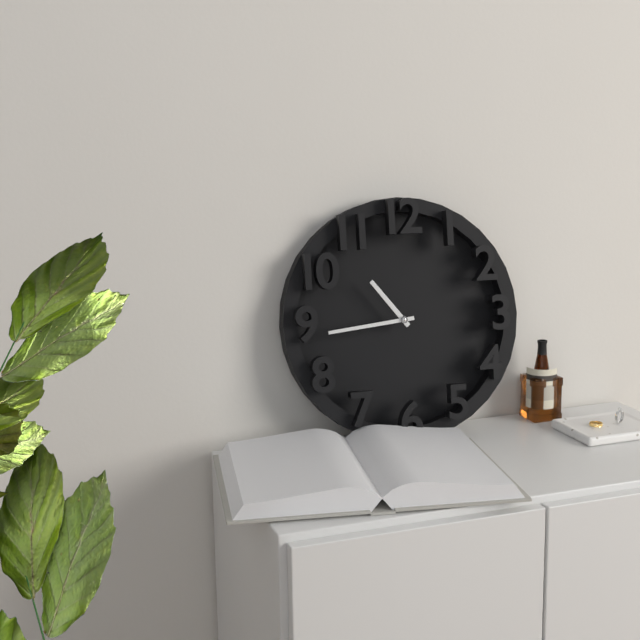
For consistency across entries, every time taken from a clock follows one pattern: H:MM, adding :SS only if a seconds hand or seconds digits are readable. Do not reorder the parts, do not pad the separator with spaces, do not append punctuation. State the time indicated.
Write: 10:44
